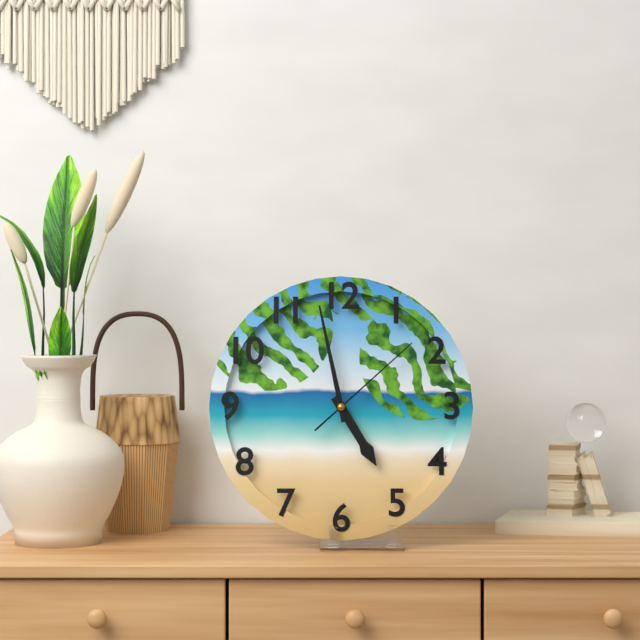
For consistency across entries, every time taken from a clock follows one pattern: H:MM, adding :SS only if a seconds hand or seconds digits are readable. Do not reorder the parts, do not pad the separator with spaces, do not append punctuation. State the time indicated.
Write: 4:58:08
